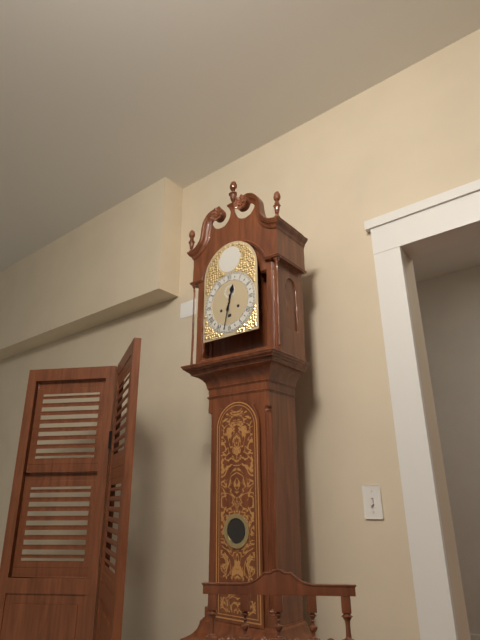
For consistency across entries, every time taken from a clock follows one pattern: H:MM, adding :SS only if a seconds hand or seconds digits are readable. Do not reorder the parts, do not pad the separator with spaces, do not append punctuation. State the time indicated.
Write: 12:32
